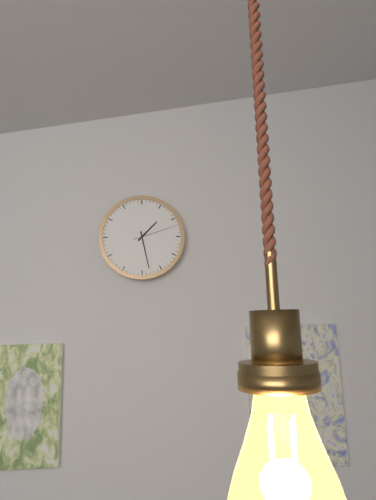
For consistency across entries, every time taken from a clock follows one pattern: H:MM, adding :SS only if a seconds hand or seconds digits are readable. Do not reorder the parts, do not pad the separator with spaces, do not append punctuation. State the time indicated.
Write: 1:28
